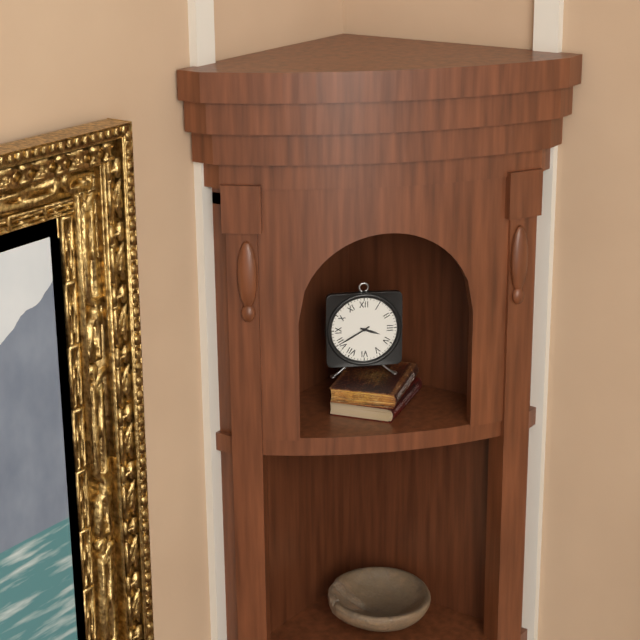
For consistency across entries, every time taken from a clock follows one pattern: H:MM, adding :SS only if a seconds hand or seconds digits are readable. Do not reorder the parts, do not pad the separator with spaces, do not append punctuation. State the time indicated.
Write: 3:40
